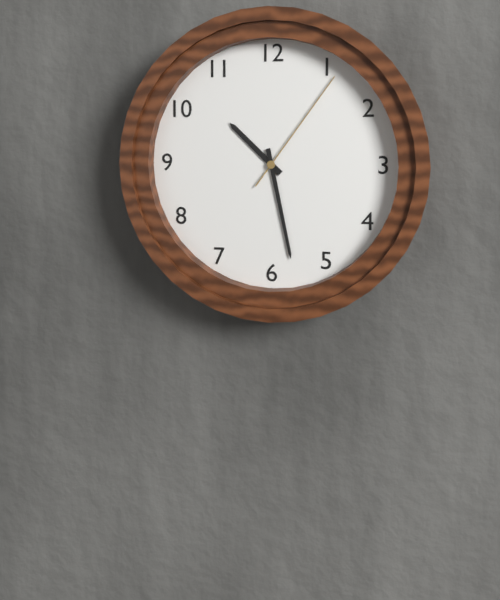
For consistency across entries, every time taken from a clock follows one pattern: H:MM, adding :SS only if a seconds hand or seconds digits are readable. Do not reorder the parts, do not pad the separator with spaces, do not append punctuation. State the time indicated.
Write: 10:28:06
